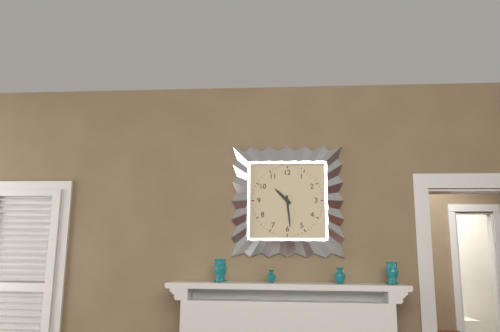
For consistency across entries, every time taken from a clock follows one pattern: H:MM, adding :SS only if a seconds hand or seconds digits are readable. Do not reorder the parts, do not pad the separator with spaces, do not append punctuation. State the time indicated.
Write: 10:29
